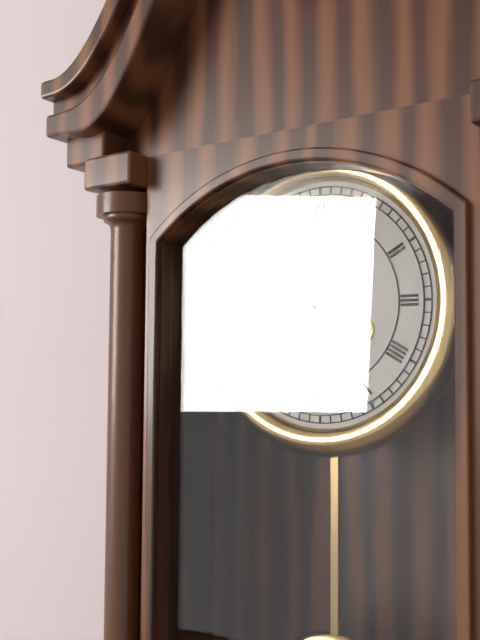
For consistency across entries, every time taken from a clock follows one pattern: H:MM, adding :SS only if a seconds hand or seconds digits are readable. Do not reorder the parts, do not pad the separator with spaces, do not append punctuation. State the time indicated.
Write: 8:40
